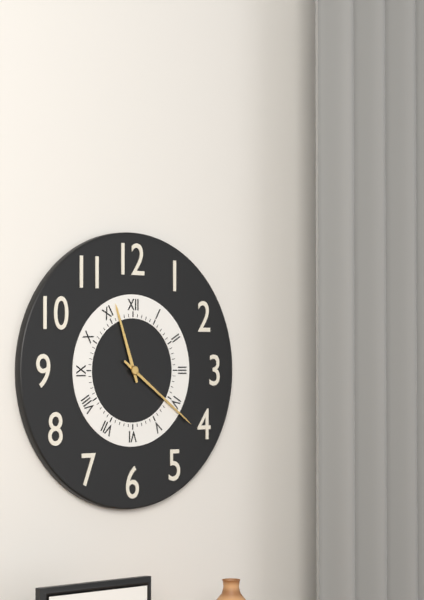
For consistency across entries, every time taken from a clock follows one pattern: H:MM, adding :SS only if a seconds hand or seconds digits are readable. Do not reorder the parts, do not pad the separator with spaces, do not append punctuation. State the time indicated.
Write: 11:21
